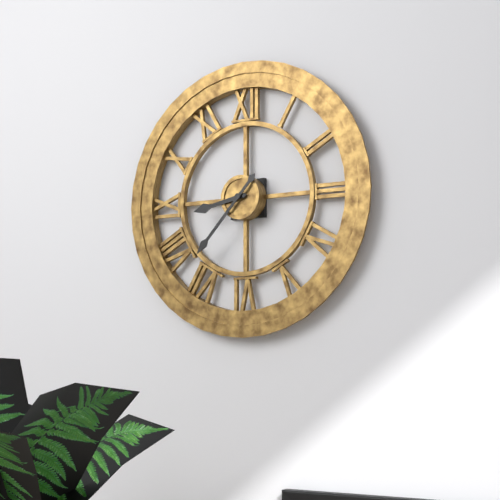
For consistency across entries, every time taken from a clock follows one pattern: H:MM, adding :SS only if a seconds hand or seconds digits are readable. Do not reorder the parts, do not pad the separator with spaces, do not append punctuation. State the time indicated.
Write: 8:37
